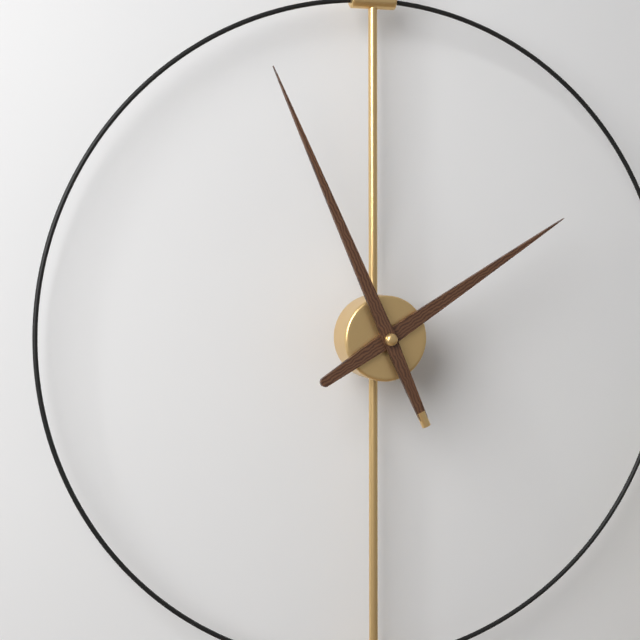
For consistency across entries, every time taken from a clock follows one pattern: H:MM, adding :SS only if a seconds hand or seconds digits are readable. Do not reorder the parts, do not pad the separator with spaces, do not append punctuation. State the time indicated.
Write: 1:56
